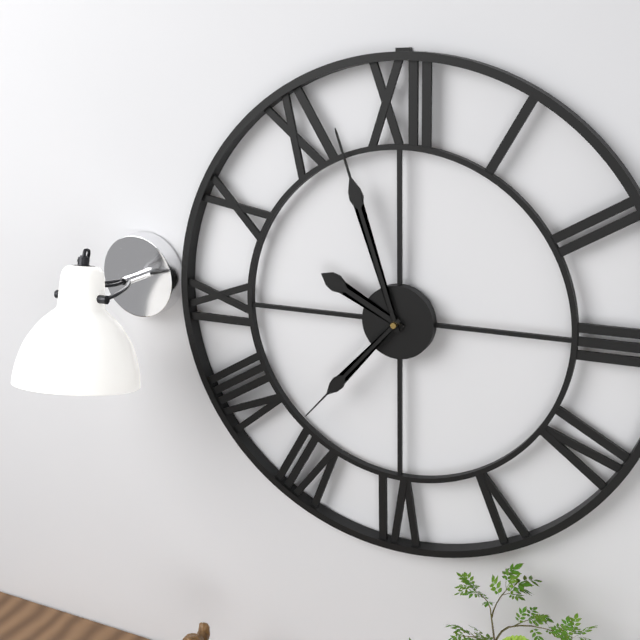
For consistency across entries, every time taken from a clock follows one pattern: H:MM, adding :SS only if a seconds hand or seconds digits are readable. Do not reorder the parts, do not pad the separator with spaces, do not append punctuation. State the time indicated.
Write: 9:57:37
